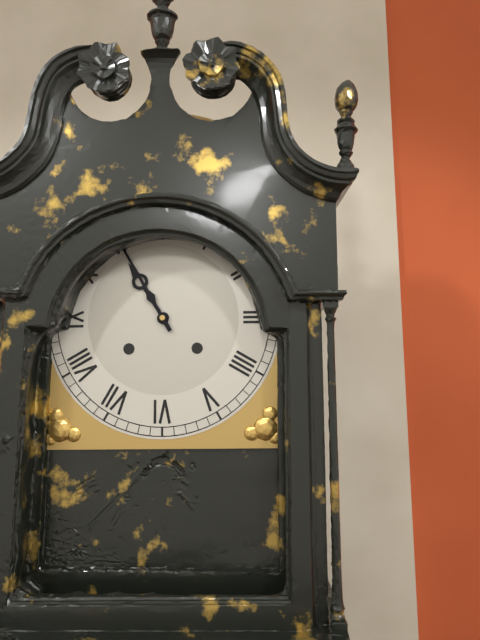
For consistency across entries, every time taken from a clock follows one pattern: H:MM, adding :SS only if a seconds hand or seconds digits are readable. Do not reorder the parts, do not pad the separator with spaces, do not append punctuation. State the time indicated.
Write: 10:55
